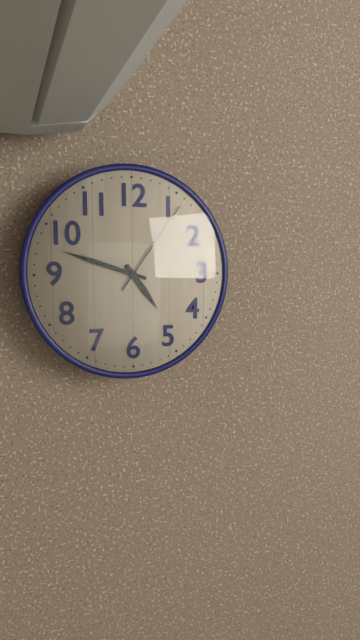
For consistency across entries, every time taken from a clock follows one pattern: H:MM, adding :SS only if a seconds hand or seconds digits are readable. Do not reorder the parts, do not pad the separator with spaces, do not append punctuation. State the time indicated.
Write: 4:48:06
